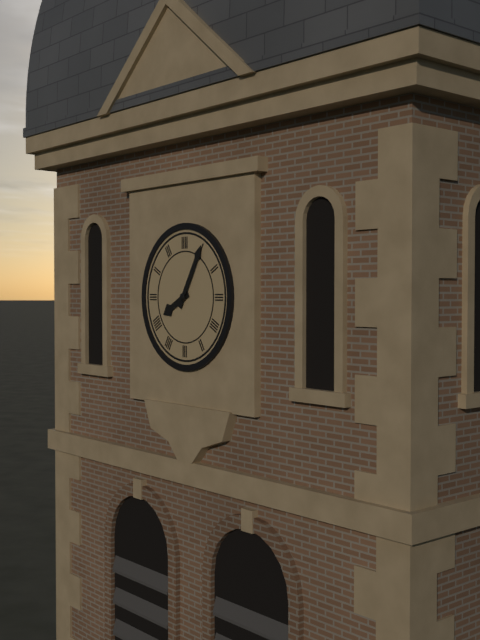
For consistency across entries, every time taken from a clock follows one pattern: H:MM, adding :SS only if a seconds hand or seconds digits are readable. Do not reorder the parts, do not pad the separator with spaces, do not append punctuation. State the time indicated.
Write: 8:05
